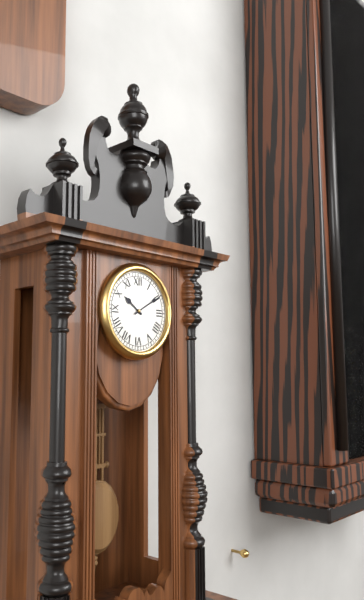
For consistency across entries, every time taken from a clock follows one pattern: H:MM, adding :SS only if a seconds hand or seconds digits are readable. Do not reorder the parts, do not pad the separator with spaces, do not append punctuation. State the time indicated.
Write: 10:10
